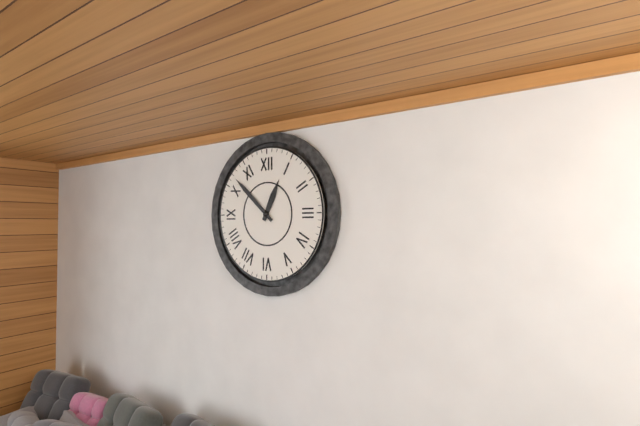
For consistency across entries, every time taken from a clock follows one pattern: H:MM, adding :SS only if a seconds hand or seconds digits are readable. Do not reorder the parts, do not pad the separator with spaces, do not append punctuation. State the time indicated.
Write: 12:52
